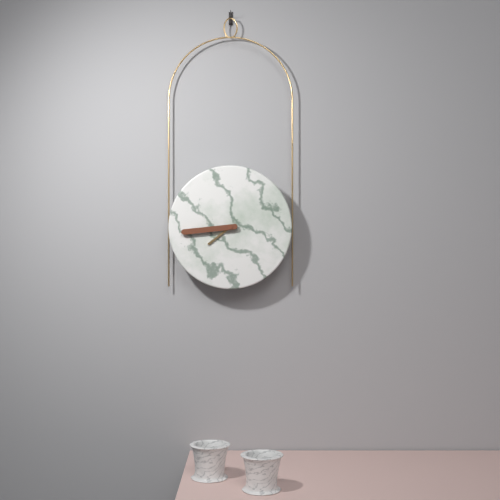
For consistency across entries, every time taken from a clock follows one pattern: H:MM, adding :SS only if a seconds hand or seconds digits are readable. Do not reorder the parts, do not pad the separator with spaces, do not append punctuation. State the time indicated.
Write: 7:44
